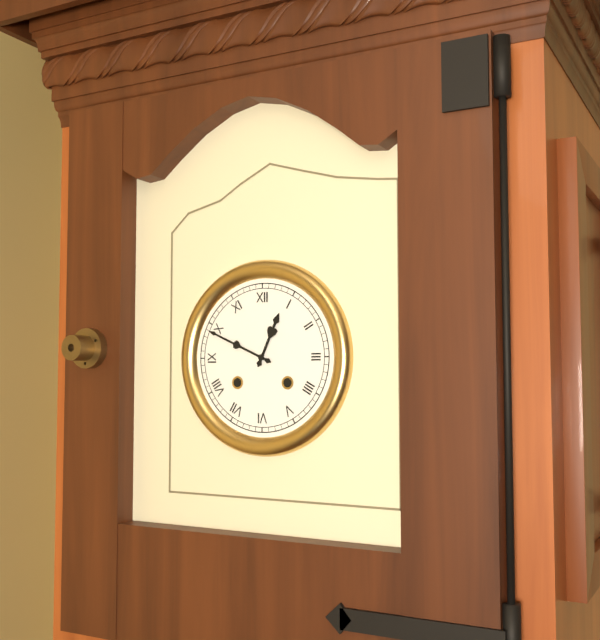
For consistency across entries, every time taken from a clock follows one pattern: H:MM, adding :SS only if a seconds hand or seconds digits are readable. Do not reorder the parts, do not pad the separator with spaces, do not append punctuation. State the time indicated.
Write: 12:49
